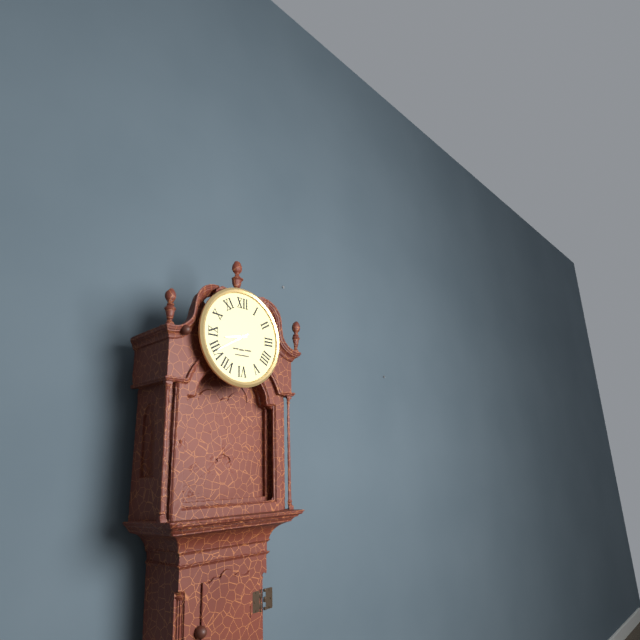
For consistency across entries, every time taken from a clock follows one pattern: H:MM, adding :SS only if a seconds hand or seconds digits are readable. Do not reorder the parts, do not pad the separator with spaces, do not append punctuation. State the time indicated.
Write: 8:40
